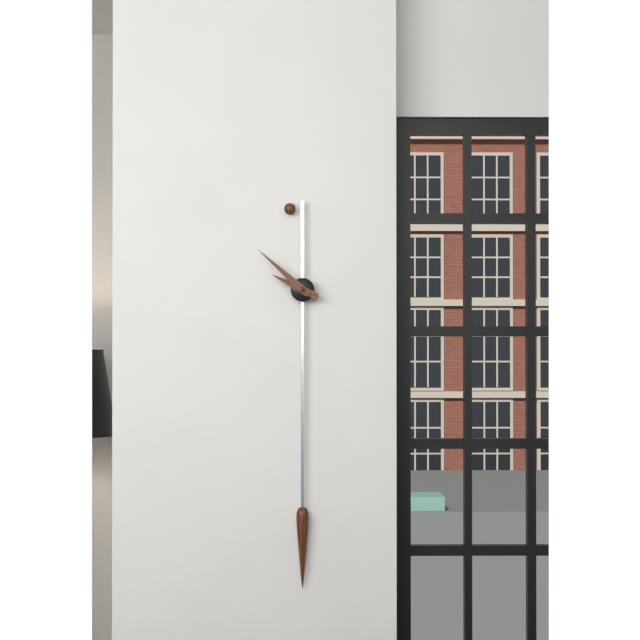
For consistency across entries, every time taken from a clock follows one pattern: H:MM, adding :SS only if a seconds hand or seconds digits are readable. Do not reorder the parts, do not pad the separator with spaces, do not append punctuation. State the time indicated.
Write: 9:52
